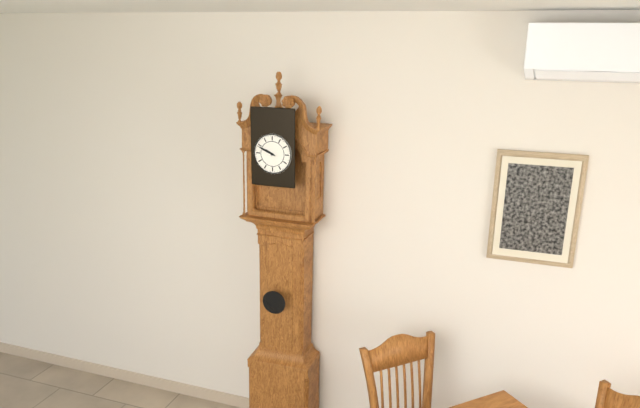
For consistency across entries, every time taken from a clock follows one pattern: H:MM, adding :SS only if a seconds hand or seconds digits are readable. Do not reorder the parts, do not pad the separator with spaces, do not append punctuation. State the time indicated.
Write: 9:49
